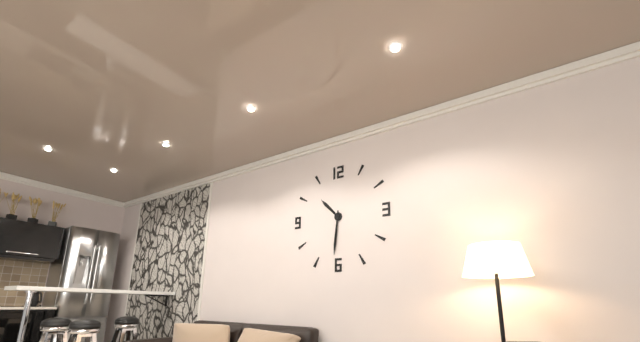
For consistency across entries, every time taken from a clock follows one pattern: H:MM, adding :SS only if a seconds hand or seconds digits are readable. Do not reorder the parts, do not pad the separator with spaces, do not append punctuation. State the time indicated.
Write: 10:31
